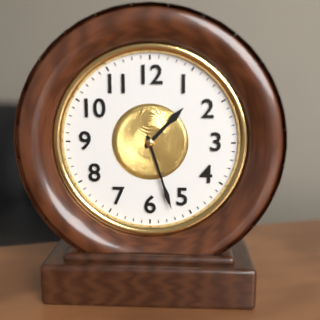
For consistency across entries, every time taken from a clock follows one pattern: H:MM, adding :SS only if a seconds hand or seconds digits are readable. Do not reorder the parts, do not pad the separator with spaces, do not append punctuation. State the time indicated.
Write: 1:27
